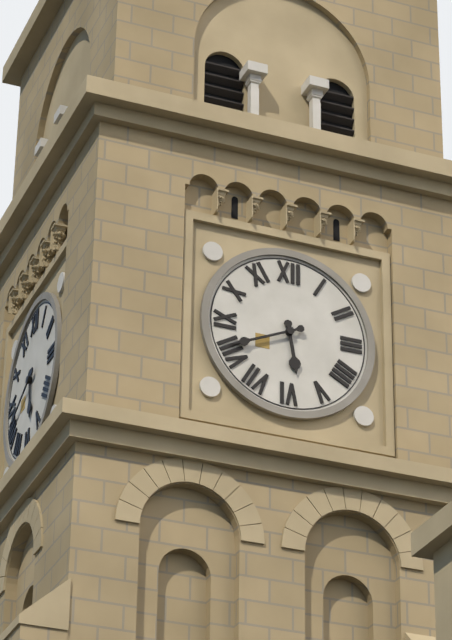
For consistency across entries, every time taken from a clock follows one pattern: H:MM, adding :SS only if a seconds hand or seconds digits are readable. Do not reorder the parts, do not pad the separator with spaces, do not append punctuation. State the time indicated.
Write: 5:41
